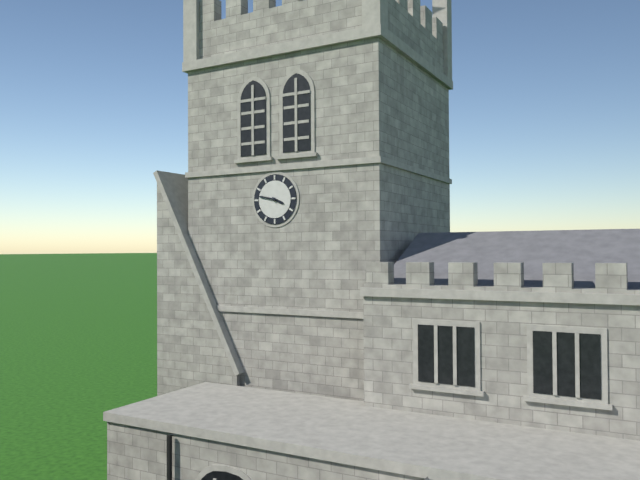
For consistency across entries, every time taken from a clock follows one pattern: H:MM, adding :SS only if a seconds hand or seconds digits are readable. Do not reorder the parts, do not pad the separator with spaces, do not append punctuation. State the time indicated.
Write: 3:47
